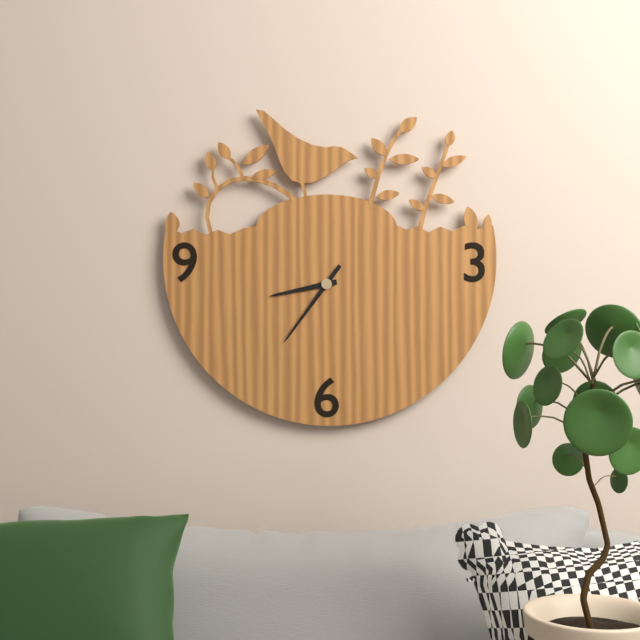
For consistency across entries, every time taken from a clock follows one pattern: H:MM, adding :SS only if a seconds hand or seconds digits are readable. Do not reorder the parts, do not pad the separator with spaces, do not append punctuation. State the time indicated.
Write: 8:36
